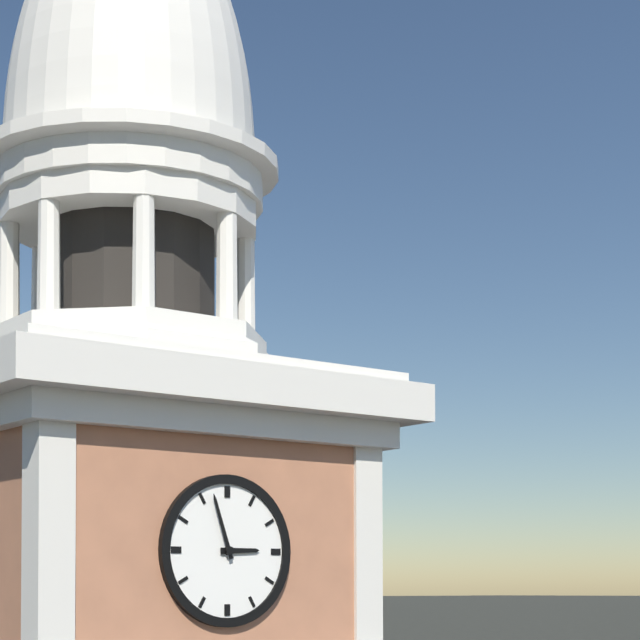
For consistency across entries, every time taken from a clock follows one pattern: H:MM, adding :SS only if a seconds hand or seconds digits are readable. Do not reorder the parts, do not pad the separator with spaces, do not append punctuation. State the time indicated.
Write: 2:57
